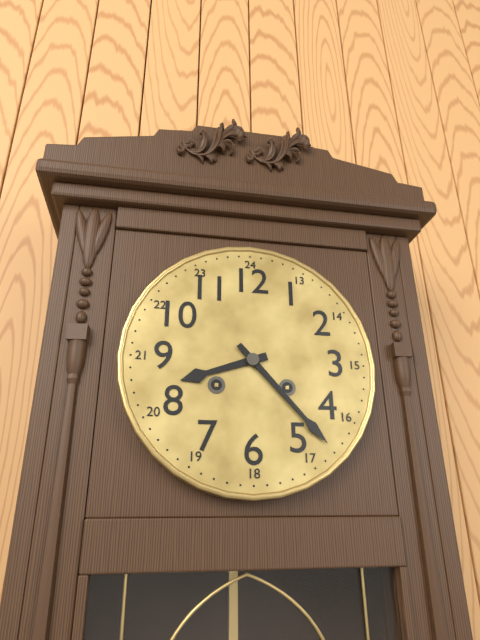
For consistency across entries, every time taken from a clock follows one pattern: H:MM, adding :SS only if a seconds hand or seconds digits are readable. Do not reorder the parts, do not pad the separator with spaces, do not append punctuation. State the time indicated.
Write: 8:23
